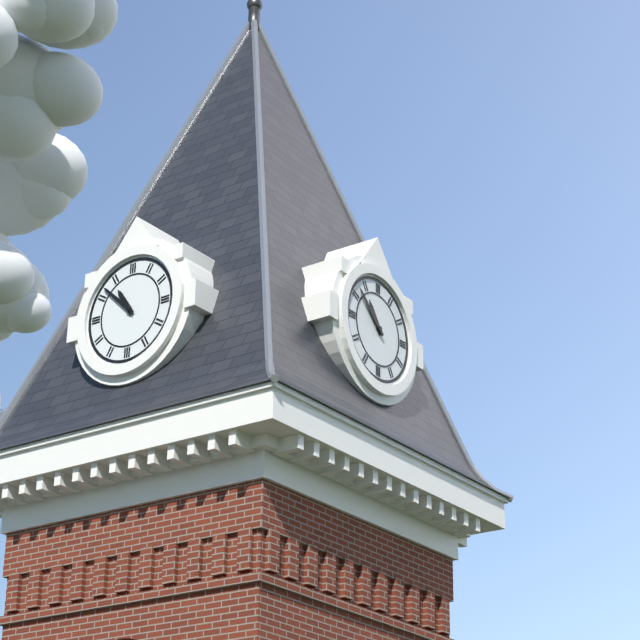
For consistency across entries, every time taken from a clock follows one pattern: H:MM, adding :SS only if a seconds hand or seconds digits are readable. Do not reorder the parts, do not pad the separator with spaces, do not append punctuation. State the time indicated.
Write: 10:52
